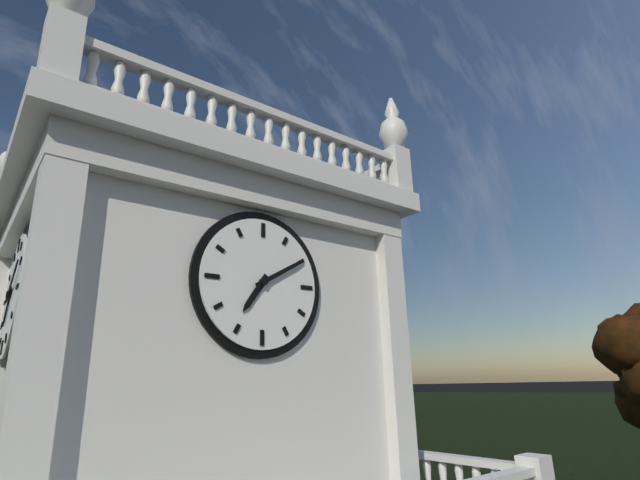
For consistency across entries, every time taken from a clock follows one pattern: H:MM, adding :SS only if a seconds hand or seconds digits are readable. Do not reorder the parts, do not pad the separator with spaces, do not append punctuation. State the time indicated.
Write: 7:10
